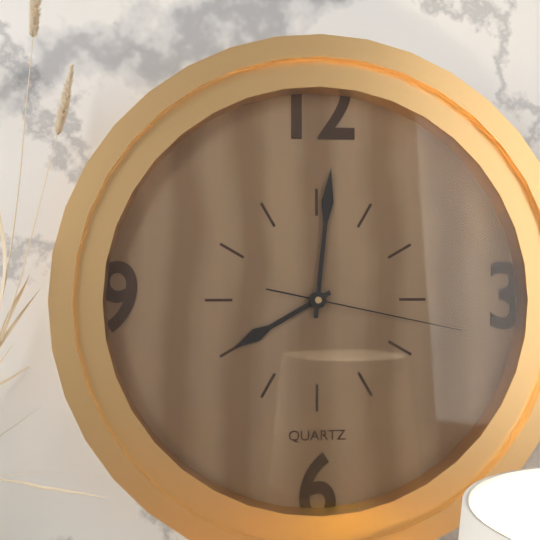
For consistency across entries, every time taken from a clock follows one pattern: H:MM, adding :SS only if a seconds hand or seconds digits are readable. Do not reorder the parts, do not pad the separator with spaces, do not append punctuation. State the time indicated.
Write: 8:01:17
